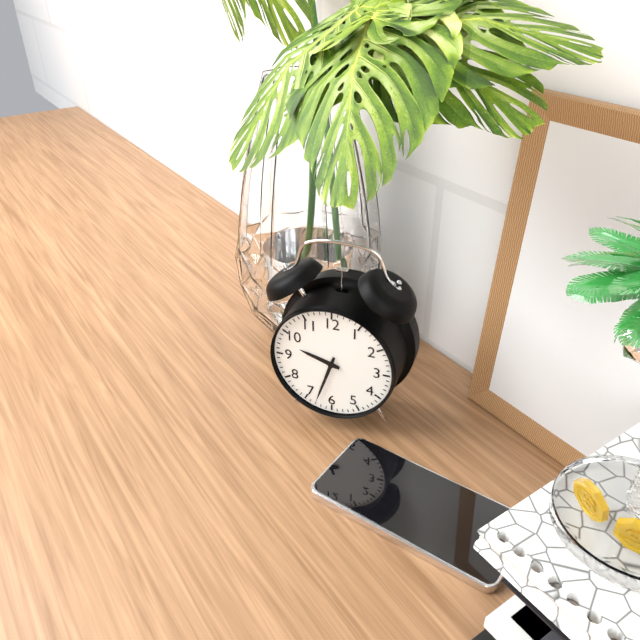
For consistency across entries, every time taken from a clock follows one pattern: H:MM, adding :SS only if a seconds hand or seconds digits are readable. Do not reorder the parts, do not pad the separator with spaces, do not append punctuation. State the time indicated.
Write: 9:33
